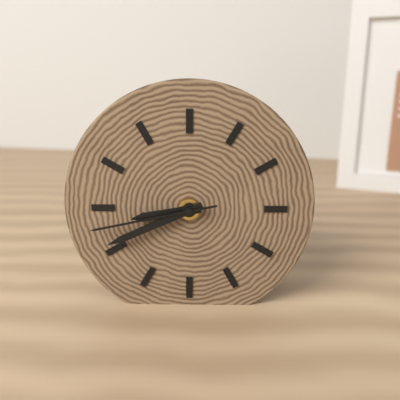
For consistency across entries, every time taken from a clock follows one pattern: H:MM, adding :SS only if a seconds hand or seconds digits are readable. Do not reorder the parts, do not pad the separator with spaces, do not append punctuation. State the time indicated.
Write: 8:41:43
